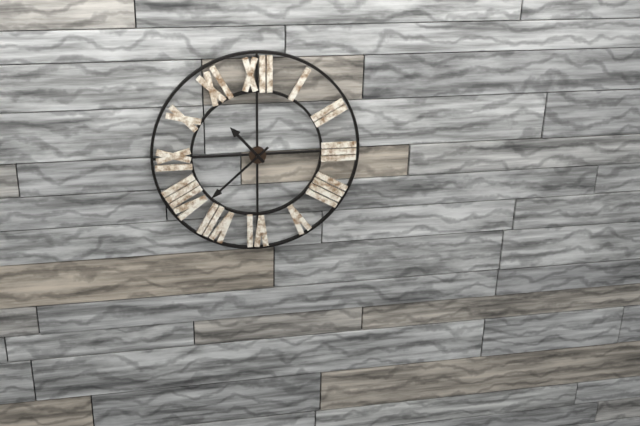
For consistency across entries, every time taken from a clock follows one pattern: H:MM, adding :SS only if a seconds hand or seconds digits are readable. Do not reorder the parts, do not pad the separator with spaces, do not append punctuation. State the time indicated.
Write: 10:38
